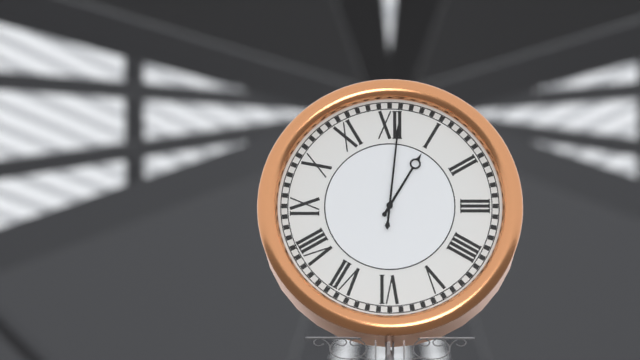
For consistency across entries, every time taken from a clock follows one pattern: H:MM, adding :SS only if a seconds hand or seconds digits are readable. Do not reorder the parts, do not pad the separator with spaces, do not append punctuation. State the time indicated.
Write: 1:01
